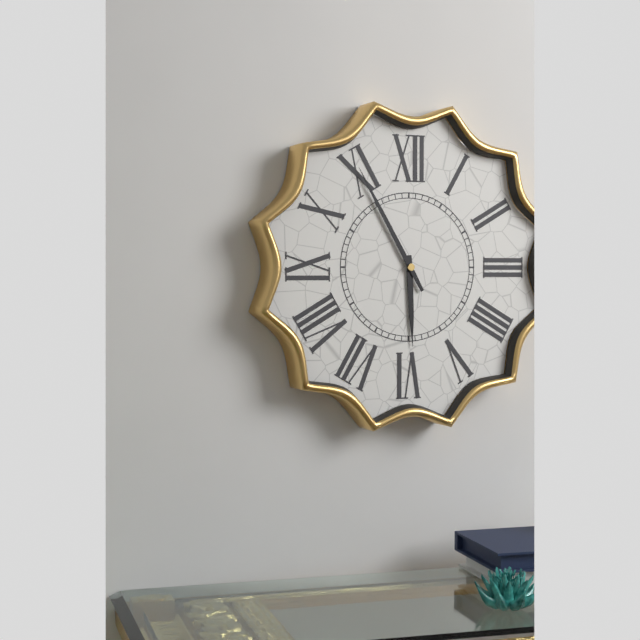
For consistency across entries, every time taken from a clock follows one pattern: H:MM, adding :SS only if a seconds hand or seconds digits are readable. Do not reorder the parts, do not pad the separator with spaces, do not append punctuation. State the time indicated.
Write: 5:55
